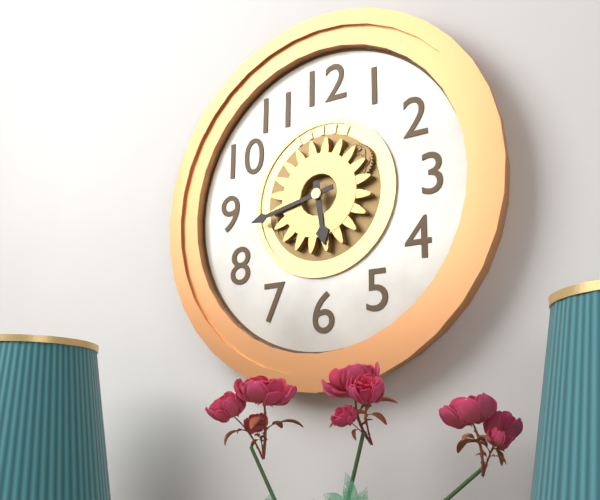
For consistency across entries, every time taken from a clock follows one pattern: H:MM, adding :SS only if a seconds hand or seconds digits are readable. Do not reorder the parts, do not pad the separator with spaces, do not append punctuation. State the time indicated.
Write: 5:43
